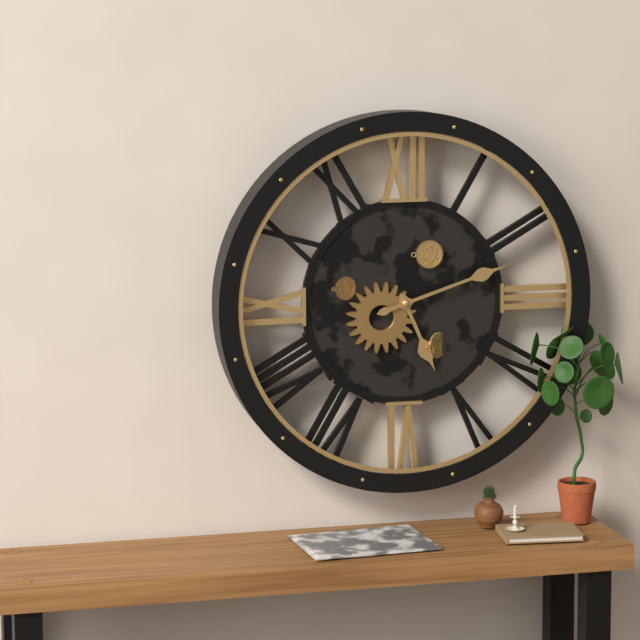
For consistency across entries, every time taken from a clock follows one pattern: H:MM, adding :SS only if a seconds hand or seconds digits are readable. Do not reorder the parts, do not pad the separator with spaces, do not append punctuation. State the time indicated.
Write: 5:12
